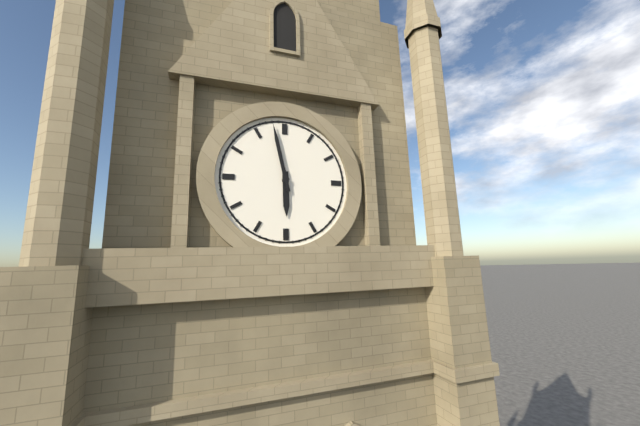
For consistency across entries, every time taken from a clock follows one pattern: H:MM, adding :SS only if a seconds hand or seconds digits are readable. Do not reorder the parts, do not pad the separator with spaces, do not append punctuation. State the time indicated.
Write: 5:58
